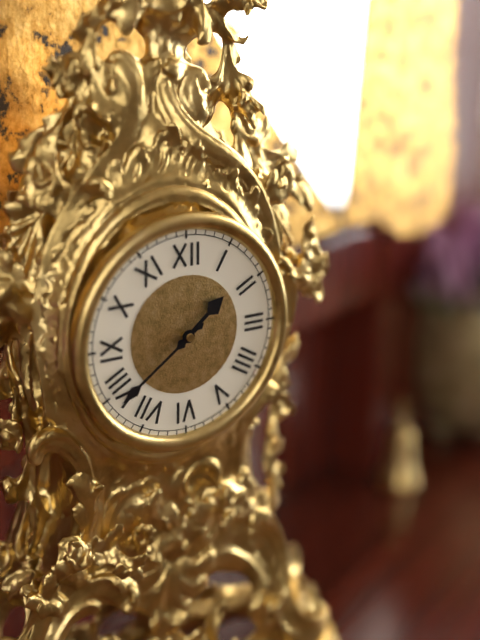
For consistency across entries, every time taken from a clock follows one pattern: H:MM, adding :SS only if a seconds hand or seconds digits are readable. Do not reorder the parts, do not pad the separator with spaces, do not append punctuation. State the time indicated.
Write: 1:39
